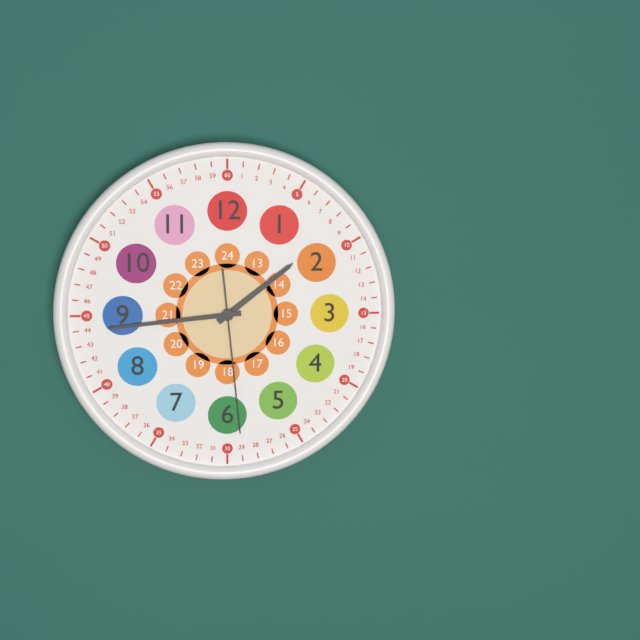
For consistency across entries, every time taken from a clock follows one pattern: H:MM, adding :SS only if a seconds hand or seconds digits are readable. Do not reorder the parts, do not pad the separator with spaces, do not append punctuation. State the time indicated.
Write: 1:44:29
